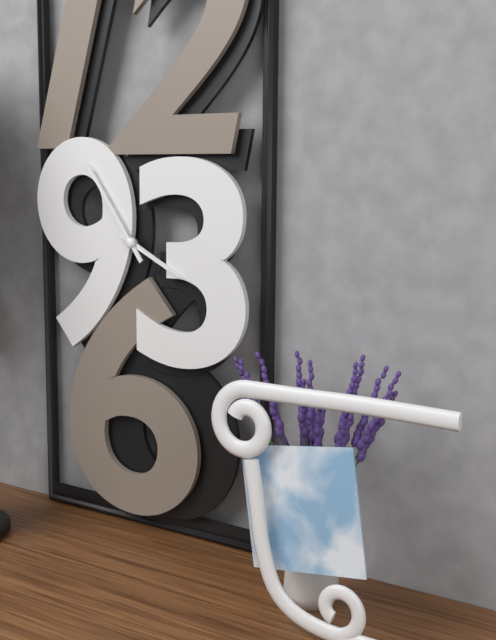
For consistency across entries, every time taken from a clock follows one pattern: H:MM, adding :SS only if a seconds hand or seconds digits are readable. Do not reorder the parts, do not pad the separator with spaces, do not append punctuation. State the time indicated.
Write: 3:54
